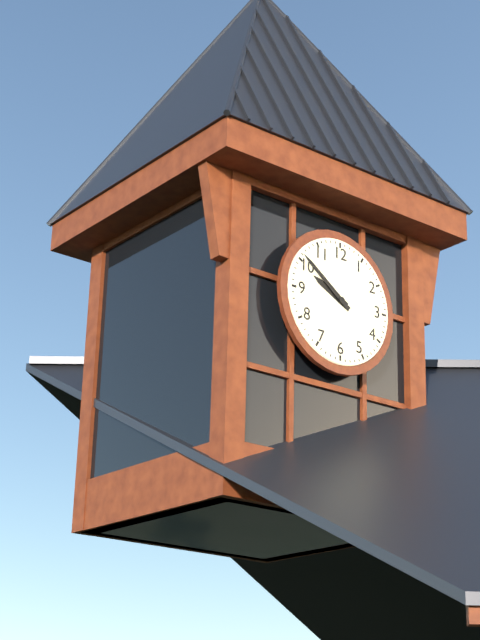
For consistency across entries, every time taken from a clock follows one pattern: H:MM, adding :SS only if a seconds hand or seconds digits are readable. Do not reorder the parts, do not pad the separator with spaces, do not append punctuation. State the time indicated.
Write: 9:51
